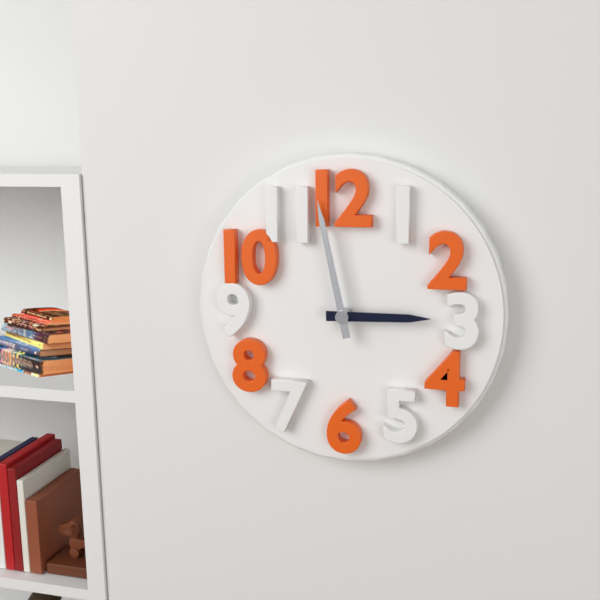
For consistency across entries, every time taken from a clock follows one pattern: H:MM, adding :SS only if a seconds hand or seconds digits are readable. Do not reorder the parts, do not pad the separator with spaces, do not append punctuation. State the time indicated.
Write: 2:58
